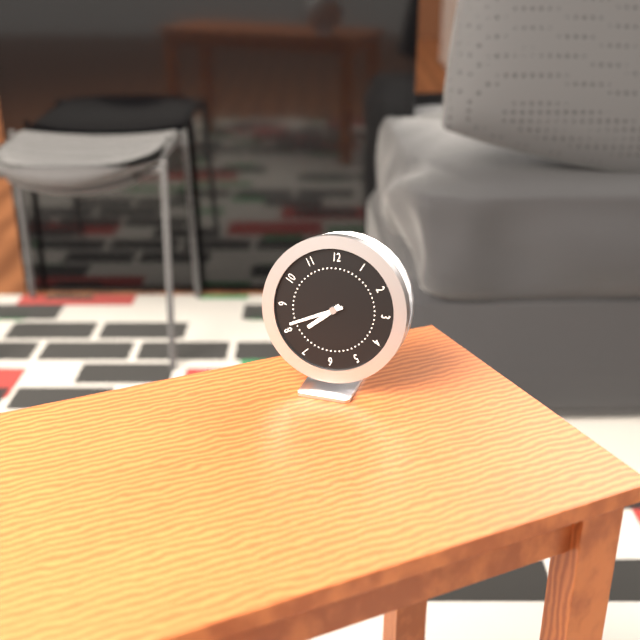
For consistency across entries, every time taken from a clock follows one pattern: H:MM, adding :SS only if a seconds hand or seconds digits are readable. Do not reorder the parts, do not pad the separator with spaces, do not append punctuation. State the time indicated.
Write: 7:41
